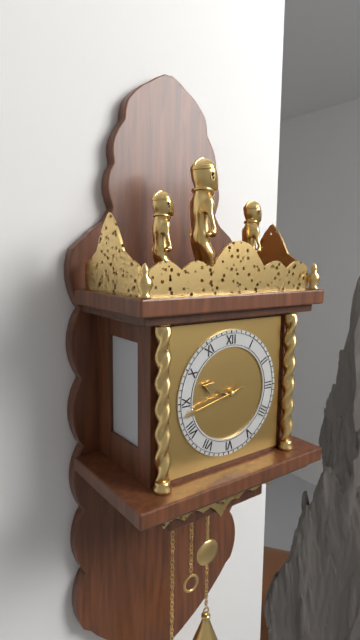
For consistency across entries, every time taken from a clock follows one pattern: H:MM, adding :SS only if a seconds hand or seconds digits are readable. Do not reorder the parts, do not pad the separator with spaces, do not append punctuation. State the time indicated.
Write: 9:43
